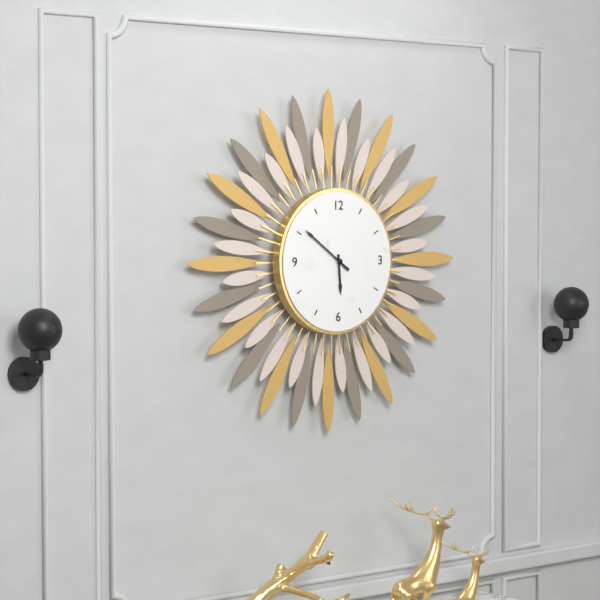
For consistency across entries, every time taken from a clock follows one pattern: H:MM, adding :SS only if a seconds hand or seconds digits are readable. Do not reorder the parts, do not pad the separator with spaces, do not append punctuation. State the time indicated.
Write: 5:51
